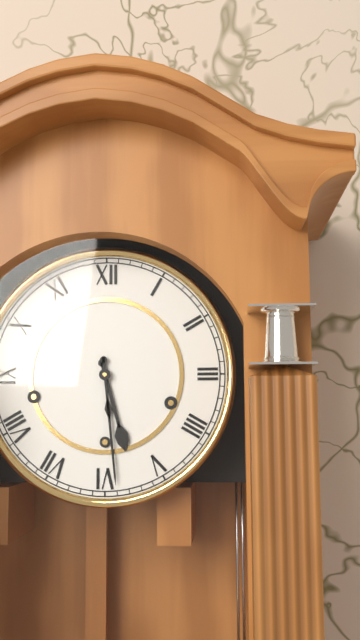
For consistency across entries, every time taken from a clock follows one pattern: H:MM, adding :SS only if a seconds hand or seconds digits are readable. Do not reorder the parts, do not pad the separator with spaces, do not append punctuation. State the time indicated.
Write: 5:29
